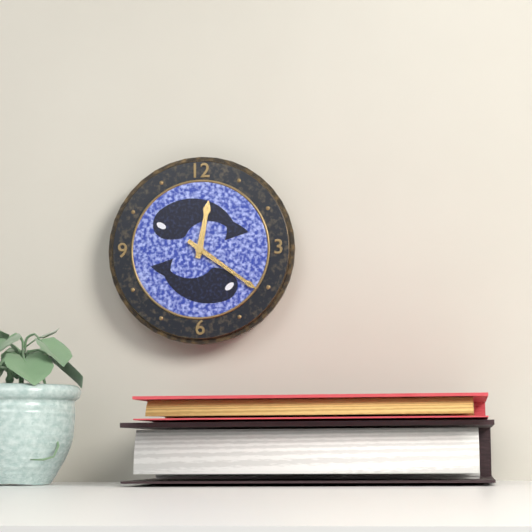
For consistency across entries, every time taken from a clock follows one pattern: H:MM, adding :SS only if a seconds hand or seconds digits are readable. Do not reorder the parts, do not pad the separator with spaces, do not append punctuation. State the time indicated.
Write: 12:21
